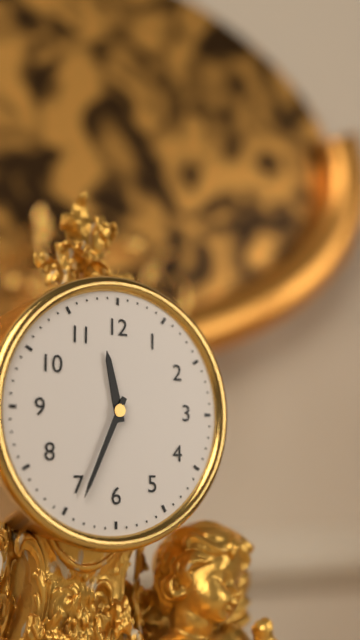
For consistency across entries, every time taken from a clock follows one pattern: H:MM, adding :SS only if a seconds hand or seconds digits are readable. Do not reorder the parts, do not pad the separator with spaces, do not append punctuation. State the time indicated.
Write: 11:34
